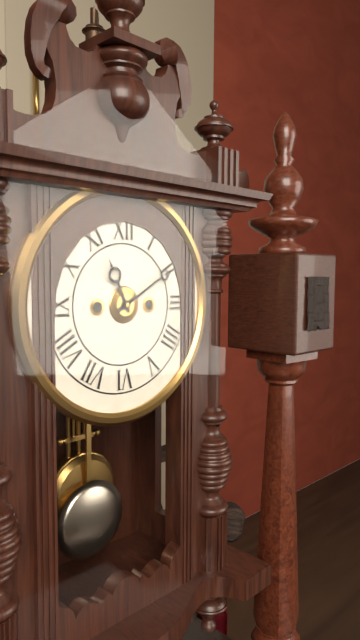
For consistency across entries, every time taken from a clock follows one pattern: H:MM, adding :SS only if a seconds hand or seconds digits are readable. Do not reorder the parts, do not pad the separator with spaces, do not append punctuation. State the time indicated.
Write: 11:10
